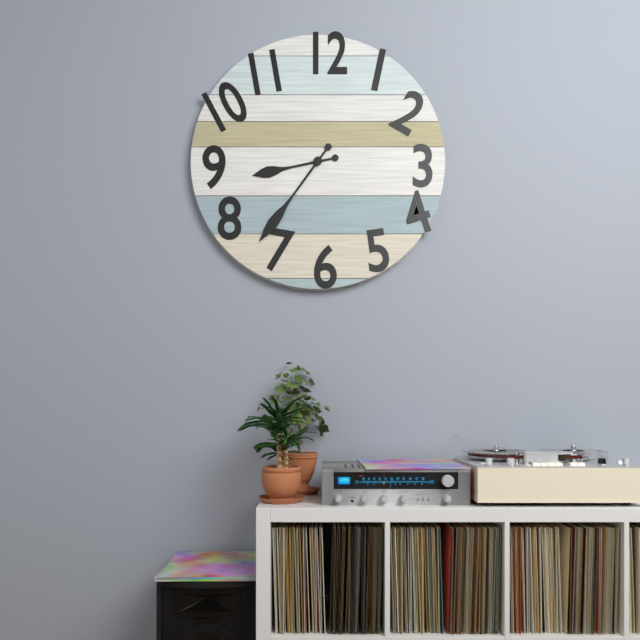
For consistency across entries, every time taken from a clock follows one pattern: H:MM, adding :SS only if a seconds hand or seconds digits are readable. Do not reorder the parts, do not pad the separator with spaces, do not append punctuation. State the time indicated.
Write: 8:36
